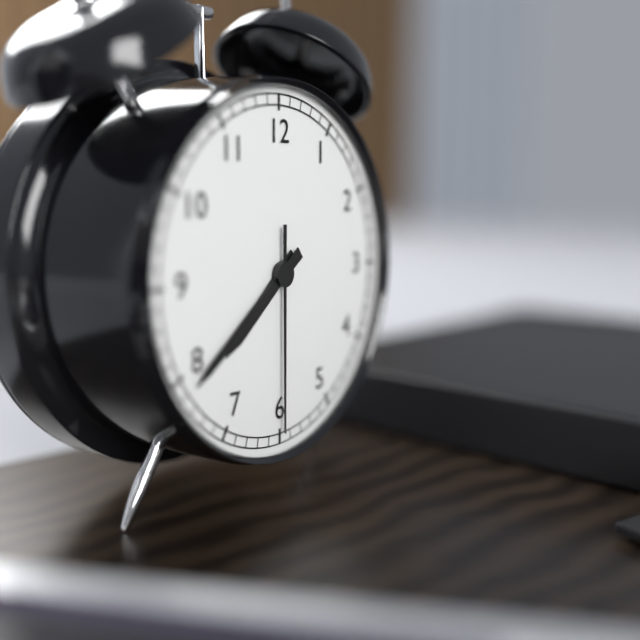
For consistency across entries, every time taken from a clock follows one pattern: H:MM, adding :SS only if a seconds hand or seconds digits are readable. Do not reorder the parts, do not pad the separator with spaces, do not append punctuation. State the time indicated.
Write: 7:39:30
